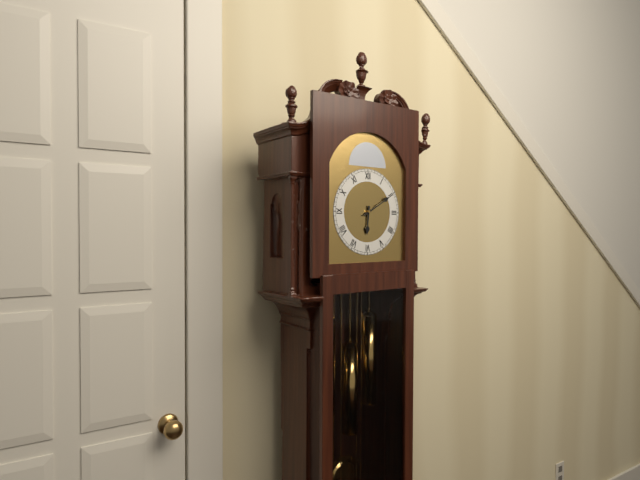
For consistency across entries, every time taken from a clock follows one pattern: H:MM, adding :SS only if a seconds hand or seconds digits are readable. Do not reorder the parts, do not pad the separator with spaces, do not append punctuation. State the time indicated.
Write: 6:10
